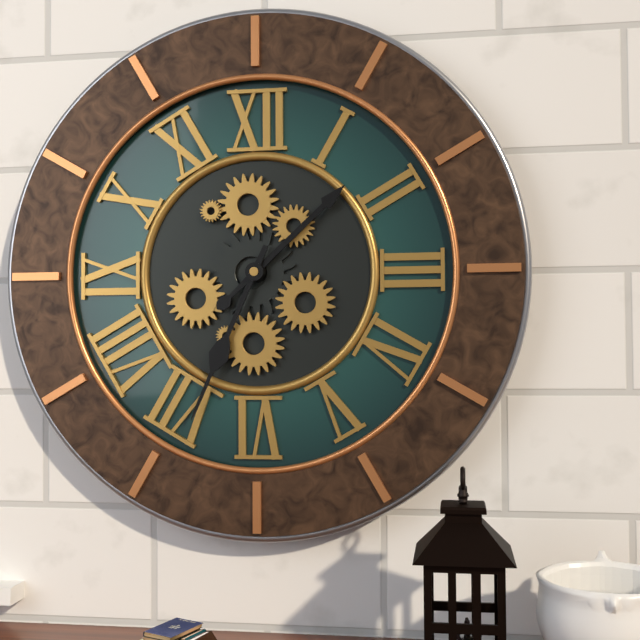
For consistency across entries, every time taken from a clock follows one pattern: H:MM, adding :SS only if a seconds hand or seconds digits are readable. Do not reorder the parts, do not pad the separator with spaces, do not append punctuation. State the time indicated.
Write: 1:34
